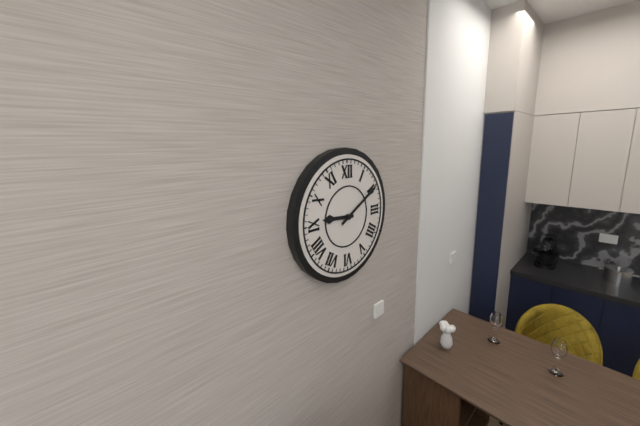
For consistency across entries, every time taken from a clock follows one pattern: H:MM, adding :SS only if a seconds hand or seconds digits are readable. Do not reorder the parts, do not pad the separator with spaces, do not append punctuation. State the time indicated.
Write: 9:10
